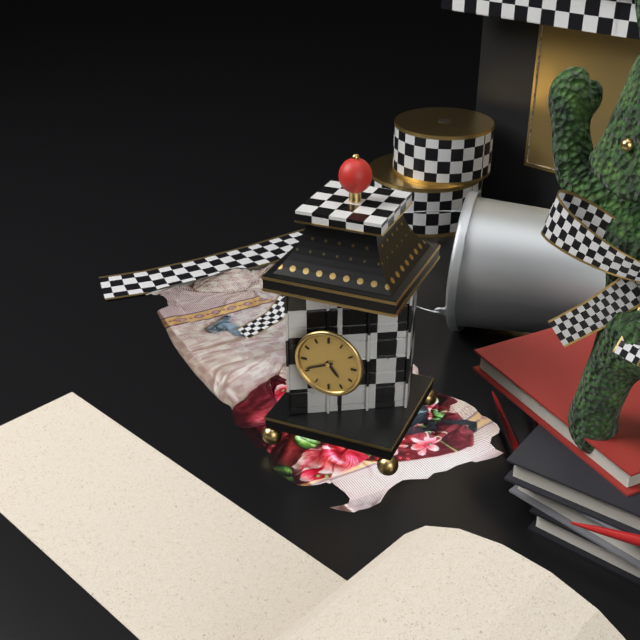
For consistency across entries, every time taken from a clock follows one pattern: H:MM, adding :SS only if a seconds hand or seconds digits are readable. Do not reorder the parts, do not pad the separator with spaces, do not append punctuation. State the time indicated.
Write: 4:41
